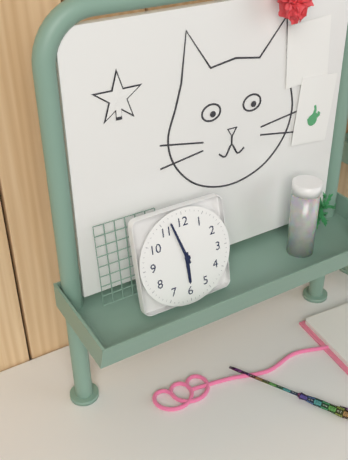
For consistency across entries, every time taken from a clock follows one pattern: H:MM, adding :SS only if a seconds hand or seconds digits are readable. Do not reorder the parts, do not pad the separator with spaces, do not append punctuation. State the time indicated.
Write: 5:57
